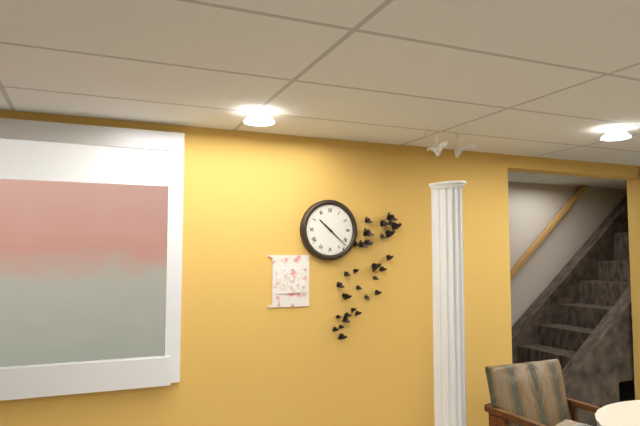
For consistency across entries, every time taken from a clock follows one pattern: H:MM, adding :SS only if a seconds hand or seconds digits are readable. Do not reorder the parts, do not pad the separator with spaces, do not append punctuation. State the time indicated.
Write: 10:22
